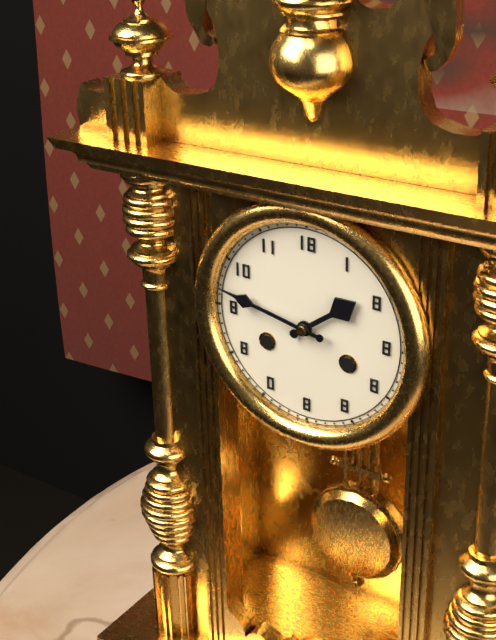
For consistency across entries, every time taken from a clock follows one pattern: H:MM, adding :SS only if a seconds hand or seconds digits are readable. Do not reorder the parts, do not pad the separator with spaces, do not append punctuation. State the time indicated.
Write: 1:47
